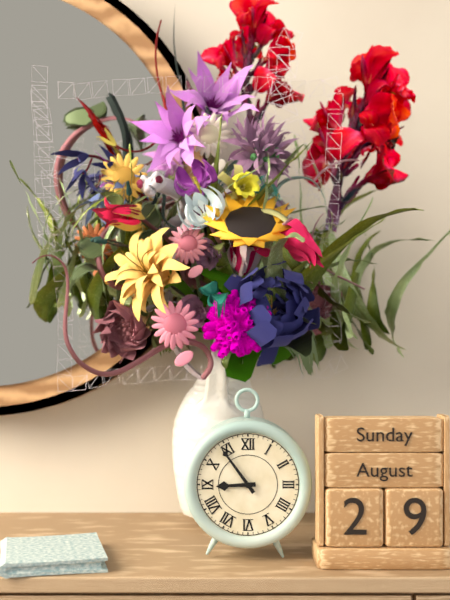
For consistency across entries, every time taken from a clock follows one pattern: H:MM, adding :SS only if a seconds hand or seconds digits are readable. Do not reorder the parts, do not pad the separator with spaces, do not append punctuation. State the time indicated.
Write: 8:54
